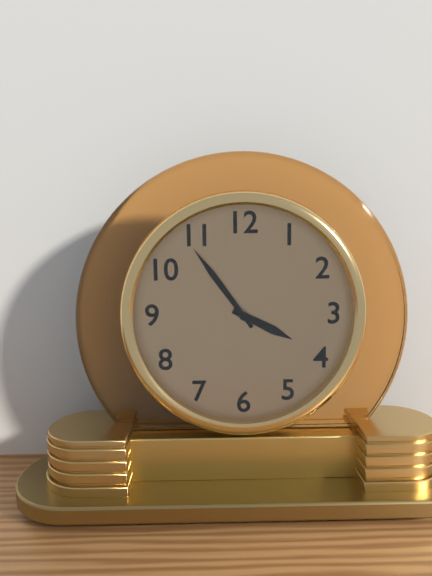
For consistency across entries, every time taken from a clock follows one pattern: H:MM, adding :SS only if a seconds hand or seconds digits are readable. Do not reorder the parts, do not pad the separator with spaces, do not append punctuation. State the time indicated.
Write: 3:54
